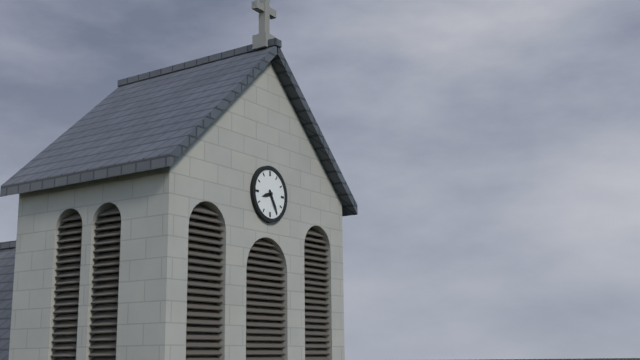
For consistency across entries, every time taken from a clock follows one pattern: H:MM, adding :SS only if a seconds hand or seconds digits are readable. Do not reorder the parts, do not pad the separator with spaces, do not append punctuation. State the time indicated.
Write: 8:25
